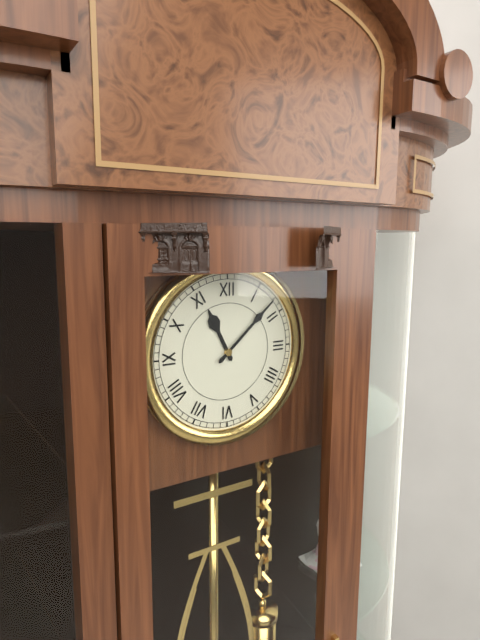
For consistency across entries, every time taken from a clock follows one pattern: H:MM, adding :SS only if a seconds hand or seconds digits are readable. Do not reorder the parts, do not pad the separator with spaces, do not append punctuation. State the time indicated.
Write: 11:08
